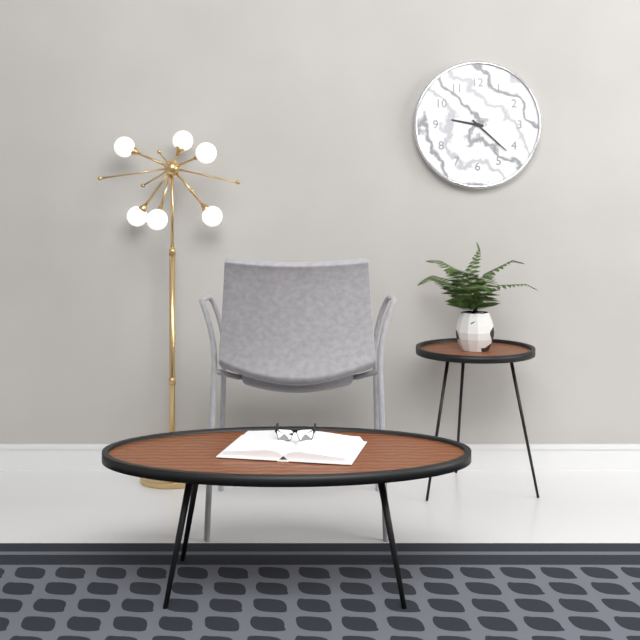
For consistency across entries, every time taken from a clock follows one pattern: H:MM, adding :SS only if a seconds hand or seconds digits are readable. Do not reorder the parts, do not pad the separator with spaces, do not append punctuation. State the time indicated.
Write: 9:22
